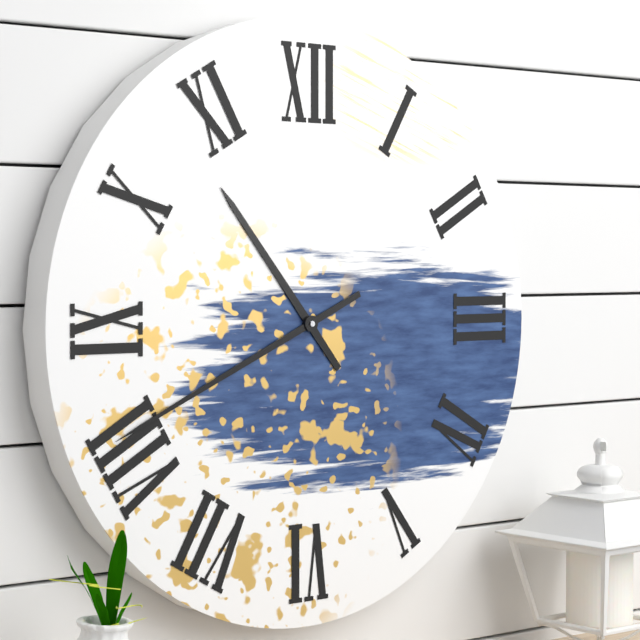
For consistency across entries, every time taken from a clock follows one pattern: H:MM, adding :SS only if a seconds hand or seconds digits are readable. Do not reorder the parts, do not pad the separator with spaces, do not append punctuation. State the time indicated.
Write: 10:41
